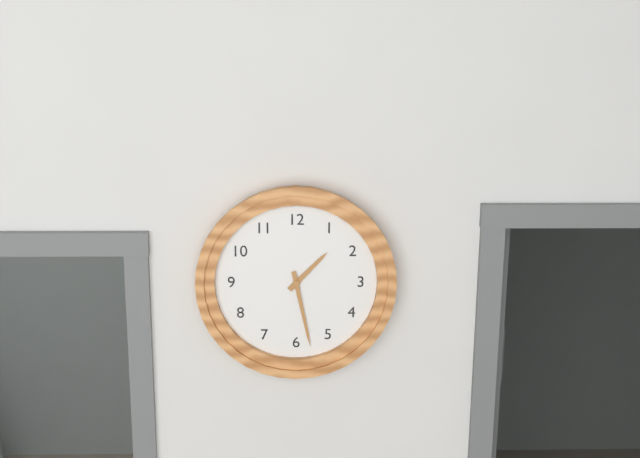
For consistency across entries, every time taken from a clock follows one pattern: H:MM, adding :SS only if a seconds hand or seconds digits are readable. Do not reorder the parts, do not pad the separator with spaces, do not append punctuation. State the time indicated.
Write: 1:28
